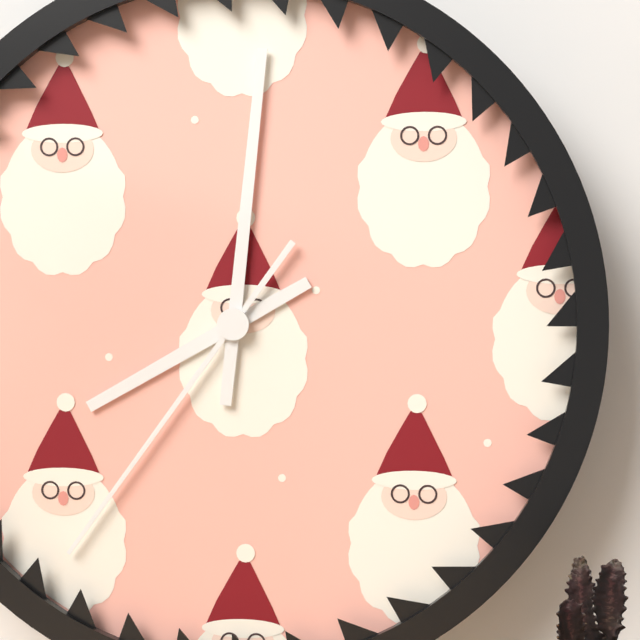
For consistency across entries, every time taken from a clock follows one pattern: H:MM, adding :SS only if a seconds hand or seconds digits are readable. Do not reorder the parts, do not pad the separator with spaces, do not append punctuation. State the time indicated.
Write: 8:01:36
